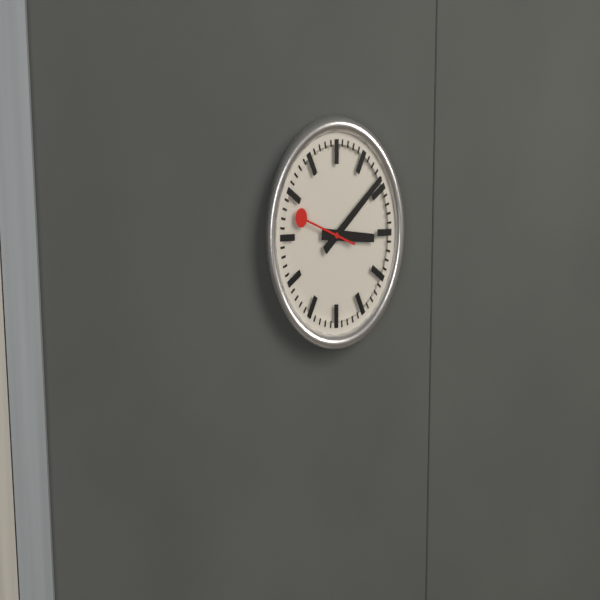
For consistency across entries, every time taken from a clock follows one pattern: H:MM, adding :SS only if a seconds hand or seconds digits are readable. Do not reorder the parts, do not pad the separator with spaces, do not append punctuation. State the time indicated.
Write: 3:09
